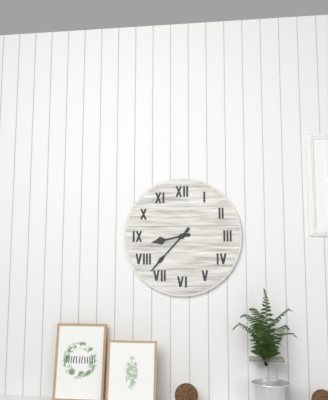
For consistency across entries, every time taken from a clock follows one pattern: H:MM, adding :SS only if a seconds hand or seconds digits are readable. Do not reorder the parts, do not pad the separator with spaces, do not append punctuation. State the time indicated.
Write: 8:37
